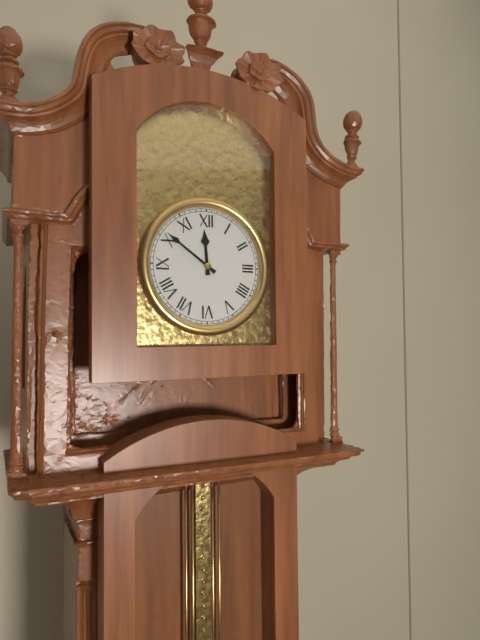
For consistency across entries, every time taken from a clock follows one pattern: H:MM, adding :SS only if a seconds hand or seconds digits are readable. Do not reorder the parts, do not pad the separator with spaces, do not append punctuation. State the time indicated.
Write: 11:51
